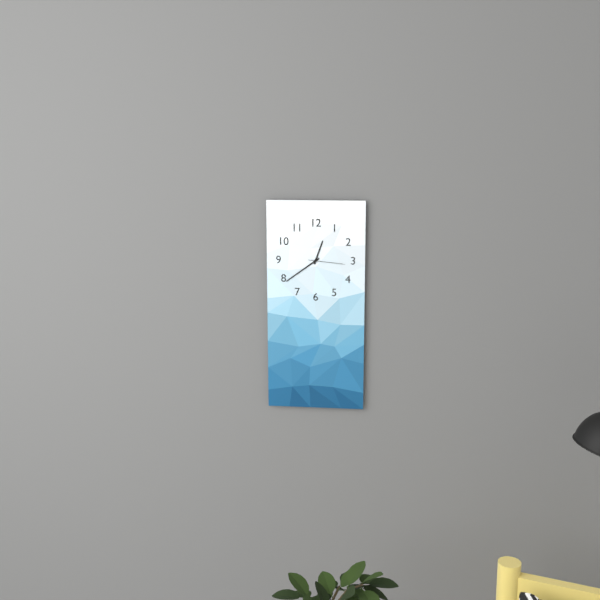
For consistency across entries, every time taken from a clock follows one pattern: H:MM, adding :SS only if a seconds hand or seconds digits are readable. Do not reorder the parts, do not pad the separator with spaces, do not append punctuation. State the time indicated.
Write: 12:39
